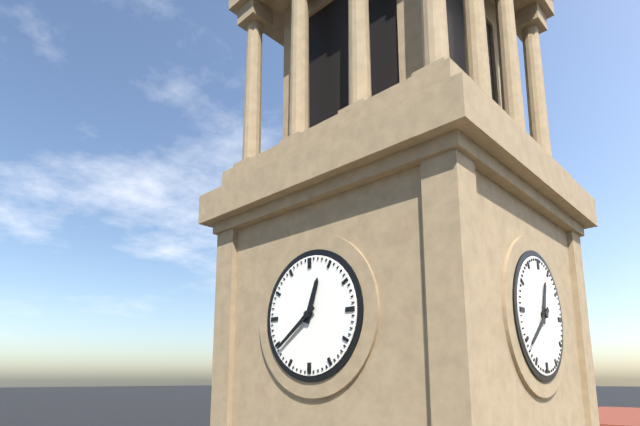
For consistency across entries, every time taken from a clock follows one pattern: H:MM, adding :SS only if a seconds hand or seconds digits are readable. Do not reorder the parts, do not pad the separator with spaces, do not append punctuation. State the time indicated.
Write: 12:39
